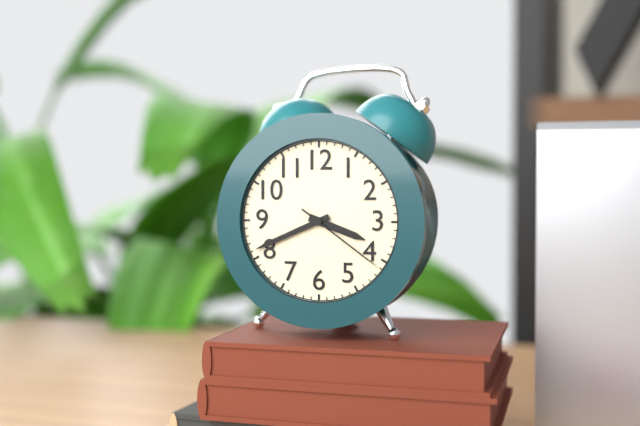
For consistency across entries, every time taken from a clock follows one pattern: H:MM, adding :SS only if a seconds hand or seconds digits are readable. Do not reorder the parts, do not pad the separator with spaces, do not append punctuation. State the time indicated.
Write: 3:41:21
